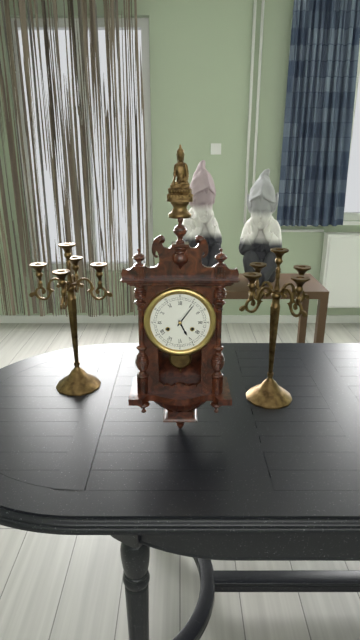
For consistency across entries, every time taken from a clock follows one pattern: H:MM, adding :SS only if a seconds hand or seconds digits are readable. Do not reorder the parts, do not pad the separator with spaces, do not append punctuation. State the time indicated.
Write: 5:06
